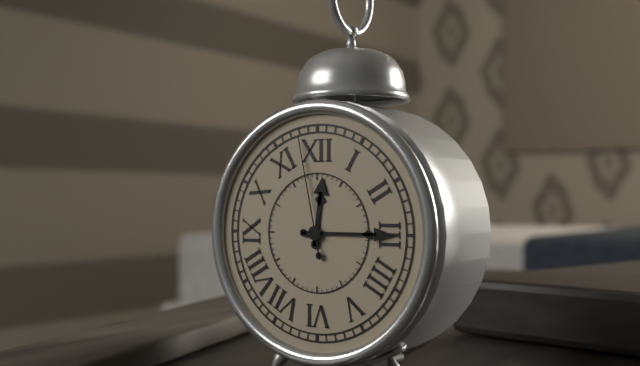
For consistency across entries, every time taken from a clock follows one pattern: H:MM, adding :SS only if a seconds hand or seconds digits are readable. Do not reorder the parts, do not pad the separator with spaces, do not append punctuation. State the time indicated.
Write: 12:15:58
